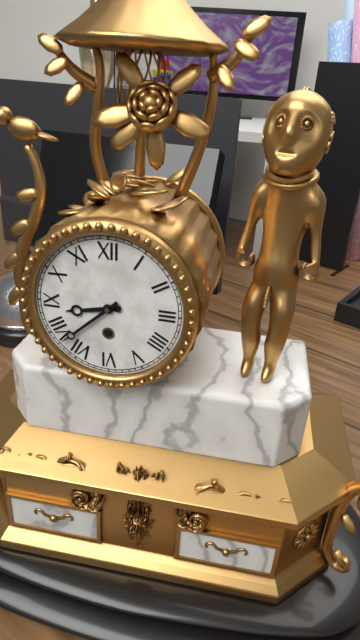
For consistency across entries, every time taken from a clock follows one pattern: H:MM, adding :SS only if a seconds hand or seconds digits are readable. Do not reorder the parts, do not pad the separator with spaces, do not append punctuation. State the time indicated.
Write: 8:38
